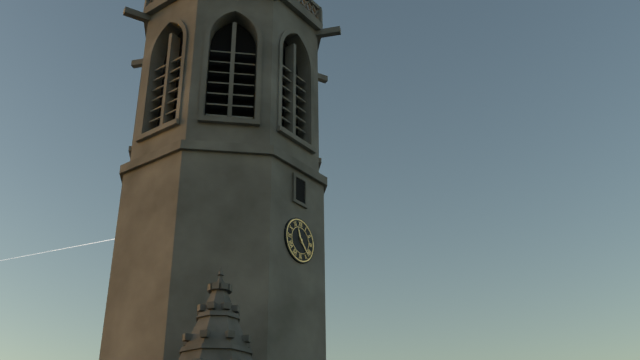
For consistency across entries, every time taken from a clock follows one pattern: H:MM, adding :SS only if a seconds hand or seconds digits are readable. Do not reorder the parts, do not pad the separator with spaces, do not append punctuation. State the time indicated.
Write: 11:23
